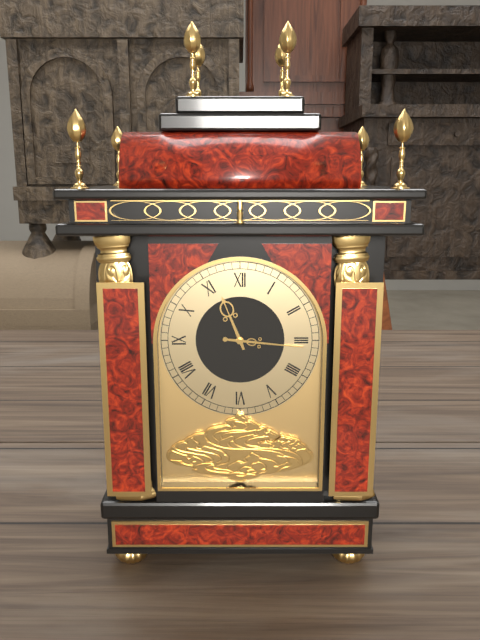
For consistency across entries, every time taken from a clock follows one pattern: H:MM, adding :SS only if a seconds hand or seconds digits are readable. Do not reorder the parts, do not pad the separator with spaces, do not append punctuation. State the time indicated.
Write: 11:16
